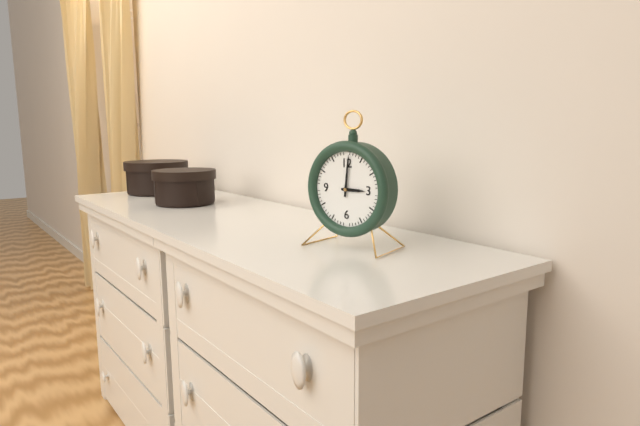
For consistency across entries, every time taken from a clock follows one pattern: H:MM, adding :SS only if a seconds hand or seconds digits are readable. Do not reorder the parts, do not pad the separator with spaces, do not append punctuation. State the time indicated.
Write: 3:01
